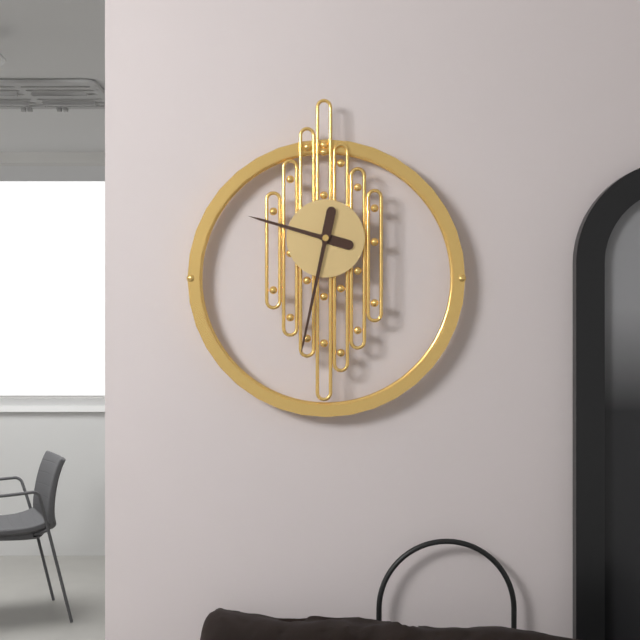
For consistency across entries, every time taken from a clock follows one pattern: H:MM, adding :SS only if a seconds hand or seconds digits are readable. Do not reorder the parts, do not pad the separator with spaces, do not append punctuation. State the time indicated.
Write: 9:32
